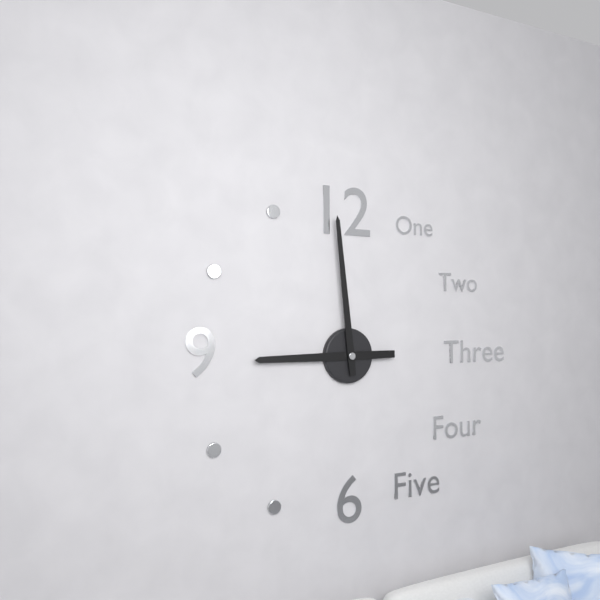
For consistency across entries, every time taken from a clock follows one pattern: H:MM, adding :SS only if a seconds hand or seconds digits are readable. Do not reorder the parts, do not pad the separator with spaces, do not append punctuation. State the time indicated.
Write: 8:59
